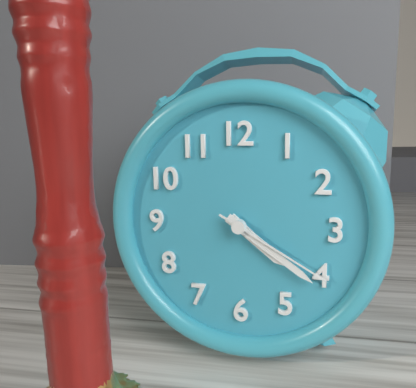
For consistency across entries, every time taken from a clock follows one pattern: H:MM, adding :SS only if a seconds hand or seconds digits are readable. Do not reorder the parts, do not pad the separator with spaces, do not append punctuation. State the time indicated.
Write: 4:21:20
